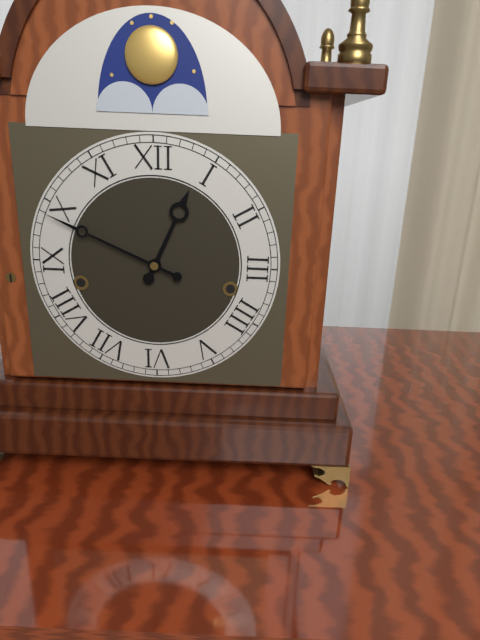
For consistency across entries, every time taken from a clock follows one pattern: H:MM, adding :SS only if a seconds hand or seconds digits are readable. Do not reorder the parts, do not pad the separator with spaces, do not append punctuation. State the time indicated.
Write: 12:49
